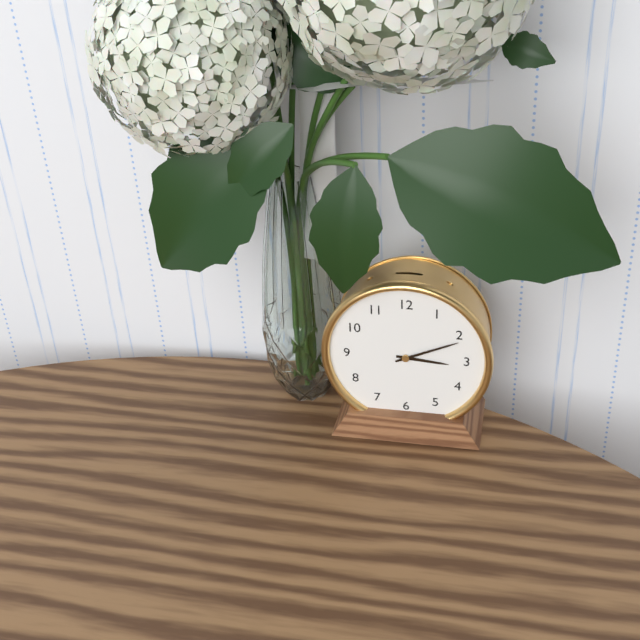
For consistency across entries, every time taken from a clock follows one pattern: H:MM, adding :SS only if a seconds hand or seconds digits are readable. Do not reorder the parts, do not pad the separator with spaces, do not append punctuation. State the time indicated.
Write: 3:11
